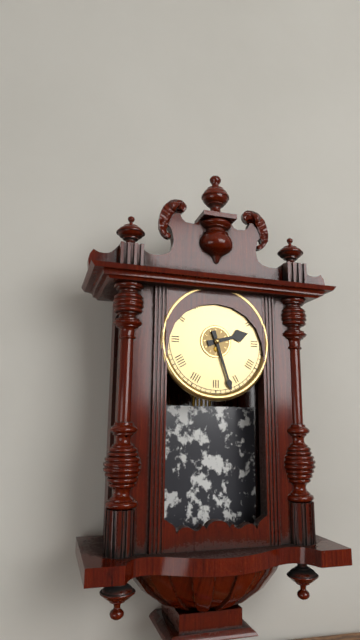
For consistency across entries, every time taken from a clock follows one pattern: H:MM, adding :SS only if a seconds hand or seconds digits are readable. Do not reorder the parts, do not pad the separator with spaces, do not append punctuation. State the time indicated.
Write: 2:27
